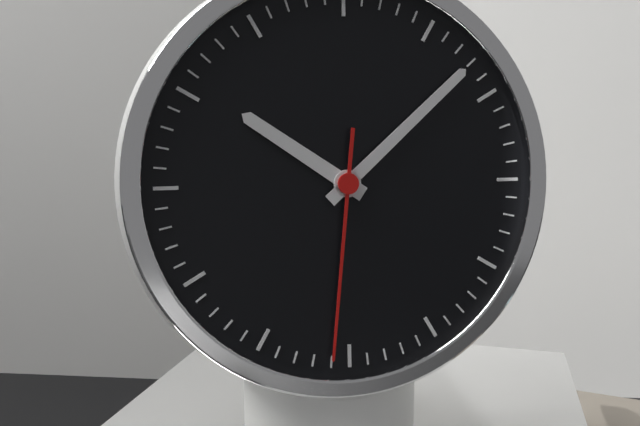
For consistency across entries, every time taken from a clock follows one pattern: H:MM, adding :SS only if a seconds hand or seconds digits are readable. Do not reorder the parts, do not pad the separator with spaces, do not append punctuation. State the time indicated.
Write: 10:08:31
